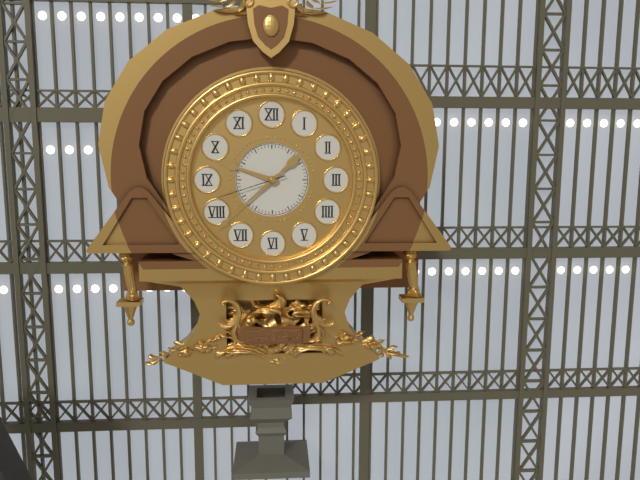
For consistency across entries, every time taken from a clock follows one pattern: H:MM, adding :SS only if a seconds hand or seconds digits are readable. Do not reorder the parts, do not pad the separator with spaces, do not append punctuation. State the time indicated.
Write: 9:38:42
